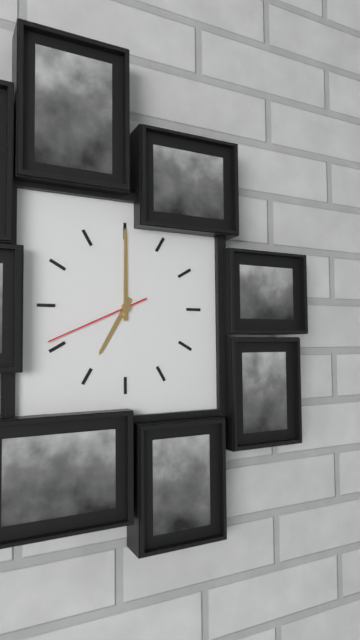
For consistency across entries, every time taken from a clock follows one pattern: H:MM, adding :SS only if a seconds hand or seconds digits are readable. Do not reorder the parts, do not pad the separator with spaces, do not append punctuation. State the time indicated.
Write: 7:00:41
